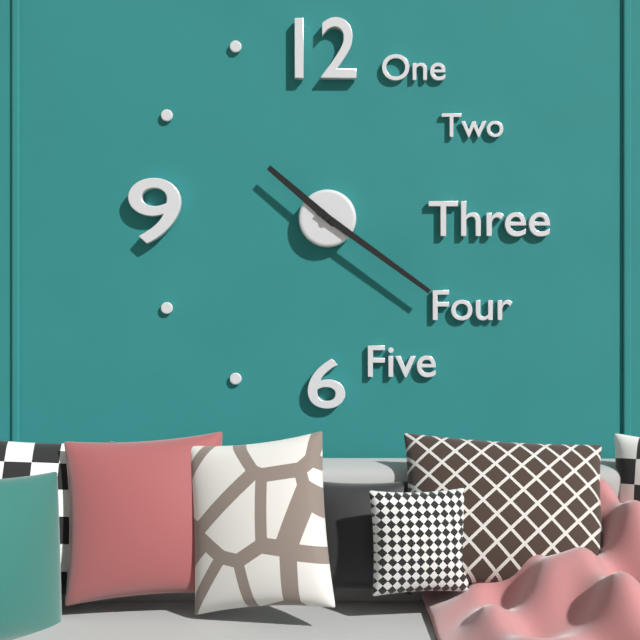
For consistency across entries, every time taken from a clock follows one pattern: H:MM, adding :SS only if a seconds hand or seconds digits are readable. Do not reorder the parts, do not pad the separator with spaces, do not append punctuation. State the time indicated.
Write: 10:21
